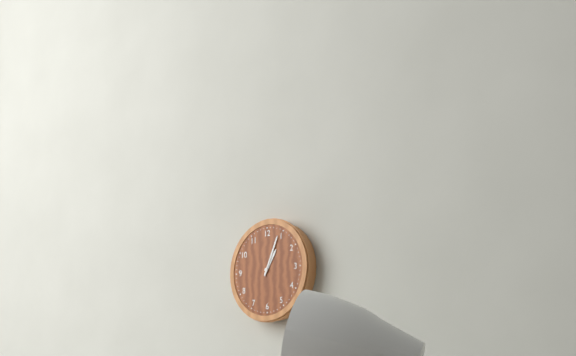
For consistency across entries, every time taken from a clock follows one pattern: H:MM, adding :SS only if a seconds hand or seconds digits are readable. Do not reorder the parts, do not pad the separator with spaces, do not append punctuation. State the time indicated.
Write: 1:04
